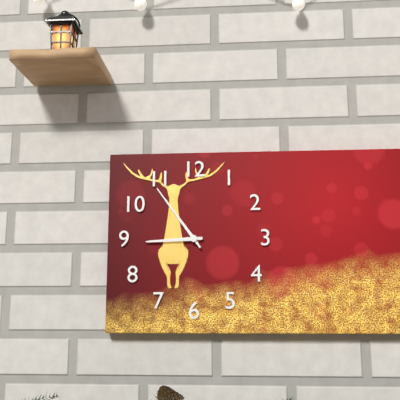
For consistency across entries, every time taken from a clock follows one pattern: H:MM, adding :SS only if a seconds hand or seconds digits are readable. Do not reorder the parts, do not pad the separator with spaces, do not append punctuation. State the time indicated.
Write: 8:54
